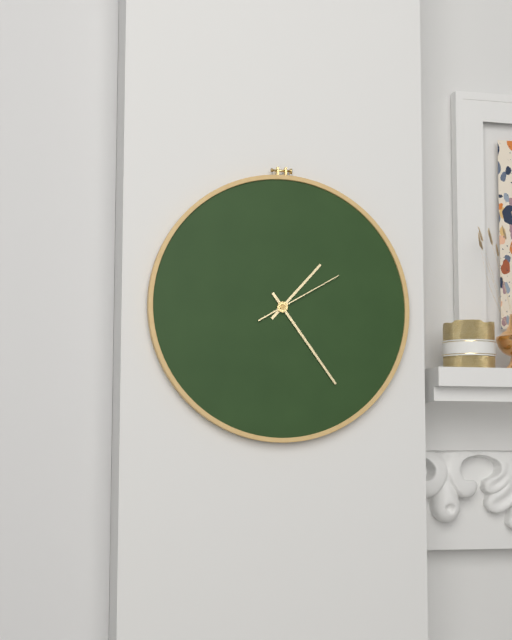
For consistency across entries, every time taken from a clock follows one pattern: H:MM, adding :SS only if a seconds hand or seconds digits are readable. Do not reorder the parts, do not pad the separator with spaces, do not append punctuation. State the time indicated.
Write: 1:24:10
